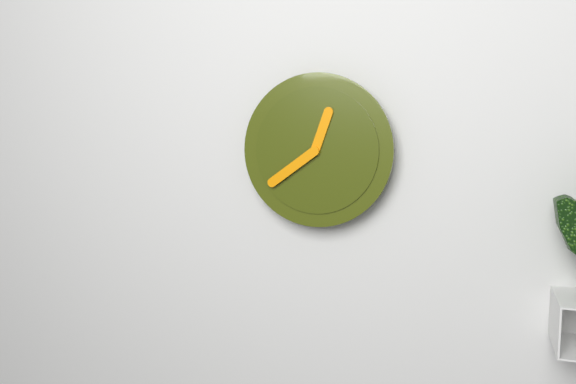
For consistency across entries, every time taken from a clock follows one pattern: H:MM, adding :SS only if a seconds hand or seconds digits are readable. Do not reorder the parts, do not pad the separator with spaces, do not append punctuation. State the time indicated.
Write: 12:39
